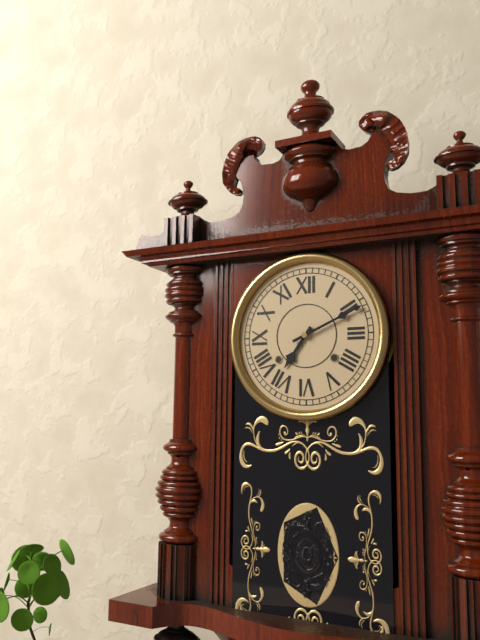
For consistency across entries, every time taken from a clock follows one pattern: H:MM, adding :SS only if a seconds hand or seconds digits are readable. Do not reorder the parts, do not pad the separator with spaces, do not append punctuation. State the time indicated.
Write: 7:11
